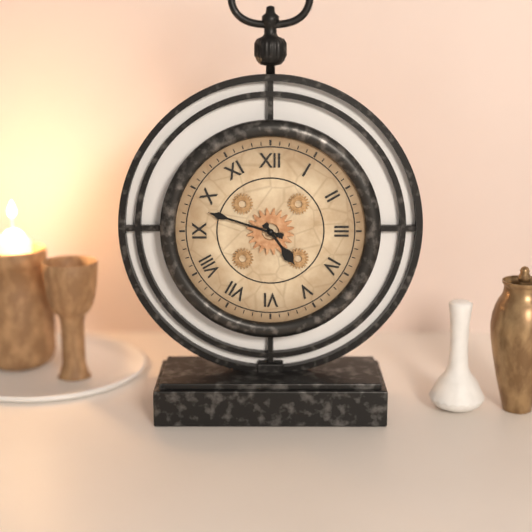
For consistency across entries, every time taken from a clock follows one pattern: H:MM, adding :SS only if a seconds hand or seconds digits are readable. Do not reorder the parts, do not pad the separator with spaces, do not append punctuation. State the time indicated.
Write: 4:48
